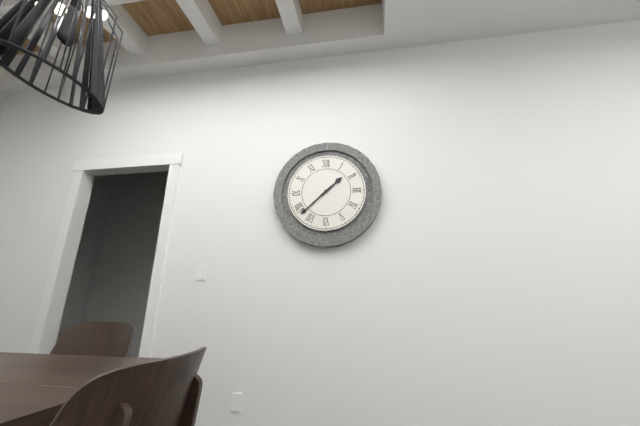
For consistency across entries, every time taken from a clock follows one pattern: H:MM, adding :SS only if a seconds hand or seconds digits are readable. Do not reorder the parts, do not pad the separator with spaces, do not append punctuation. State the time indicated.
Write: 1:38
